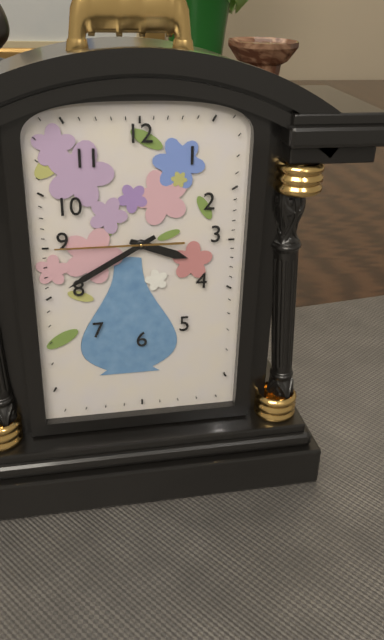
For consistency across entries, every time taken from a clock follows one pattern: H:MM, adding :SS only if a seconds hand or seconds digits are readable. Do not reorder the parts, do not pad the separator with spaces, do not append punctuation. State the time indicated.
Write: 3:40:45
